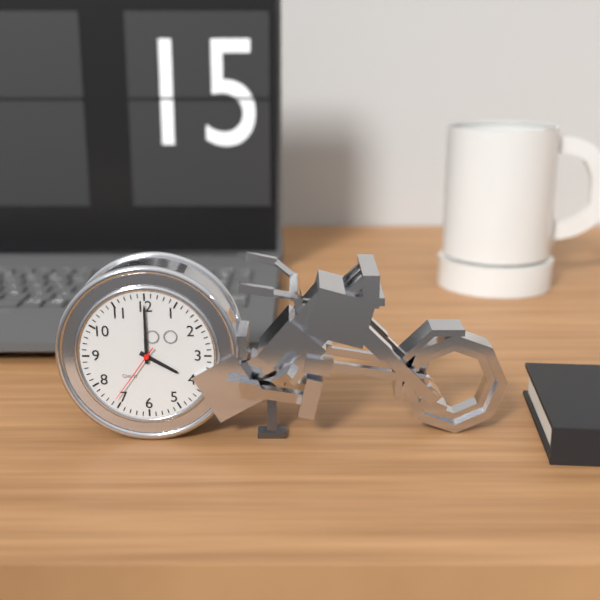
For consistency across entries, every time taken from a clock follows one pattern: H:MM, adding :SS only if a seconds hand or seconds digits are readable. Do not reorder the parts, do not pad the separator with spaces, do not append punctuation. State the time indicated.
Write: 4:00:36
